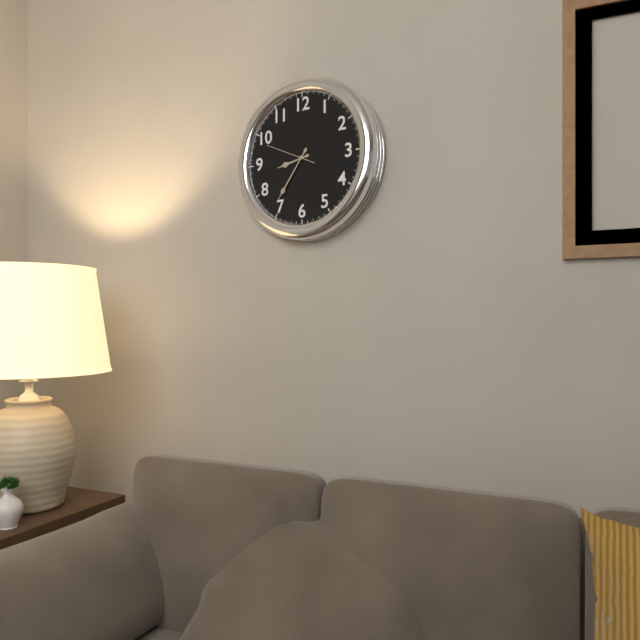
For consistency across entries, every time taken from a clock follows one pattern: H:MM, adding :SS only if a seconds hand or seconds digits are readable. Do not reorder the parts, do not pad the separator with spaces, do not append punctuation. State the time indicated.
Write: 8:36
